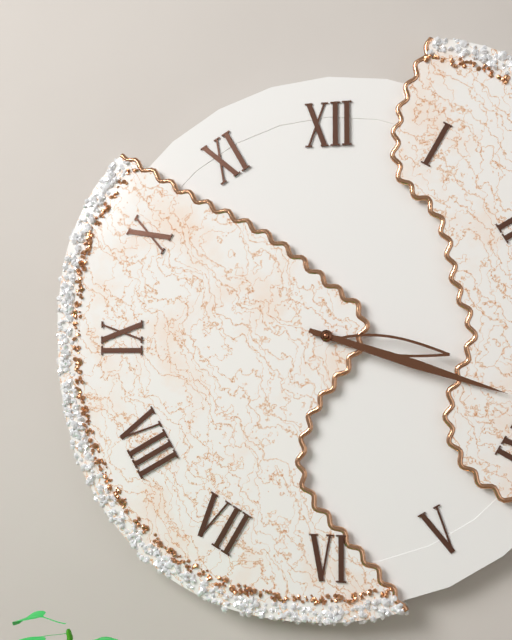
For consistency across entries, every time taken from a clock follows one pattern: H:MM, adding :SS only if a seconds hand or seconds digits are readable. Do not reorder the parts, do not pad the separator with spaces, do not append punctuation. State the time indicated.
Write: 3:18
